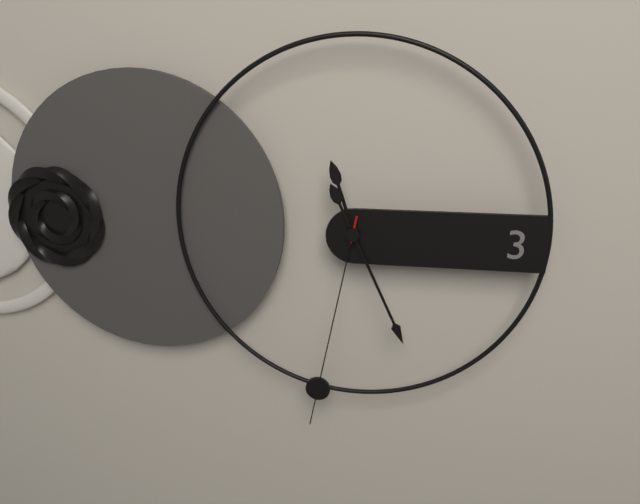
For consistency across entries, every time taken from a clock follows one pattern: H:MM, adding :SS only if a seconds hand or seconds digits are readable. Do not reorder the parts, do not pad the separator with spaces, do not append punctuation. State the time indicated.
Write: 11:26:32
